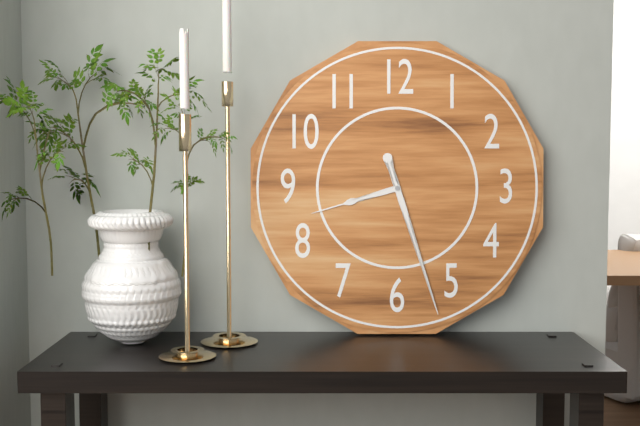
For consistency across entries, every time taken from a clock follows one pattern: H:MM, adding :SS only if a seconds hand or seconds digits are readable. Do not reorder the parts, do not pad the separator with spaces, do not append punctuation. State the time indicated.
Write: 8:27
